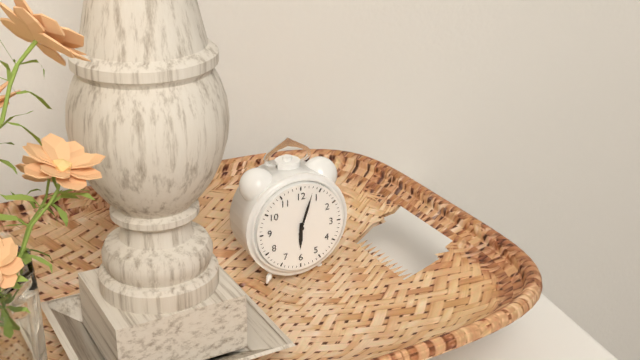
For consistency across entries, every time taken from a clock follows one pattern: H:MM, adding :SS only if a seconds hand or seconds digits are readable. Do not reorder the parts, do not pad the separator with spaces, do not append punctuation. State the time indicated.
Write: 6:03
